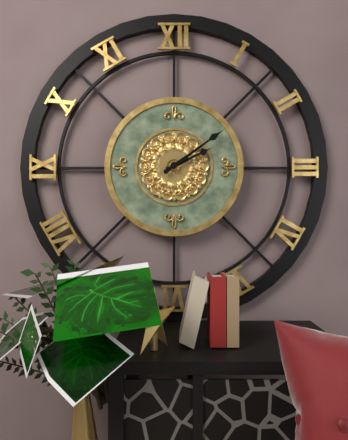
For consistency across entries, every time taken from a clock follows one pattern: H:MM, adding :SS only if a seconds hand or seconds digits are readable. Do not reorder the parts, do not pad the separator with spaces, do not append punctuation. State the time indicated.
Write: 2:09
